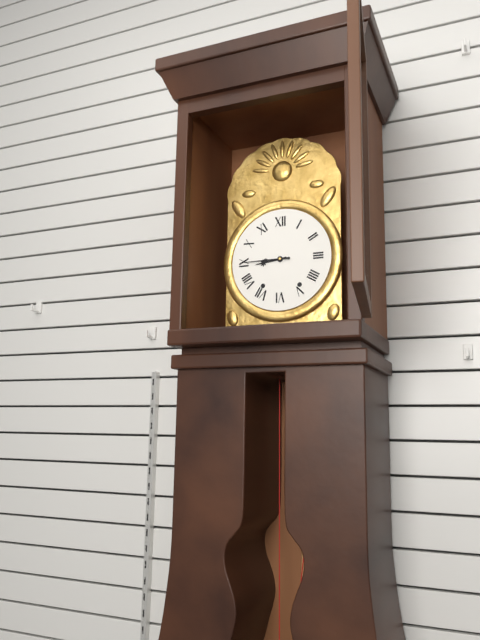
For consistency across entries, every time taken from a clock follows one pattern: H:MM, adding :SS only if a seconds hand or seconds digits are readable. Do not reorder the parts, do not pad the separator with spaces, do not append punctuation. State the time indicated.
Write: 8:45
